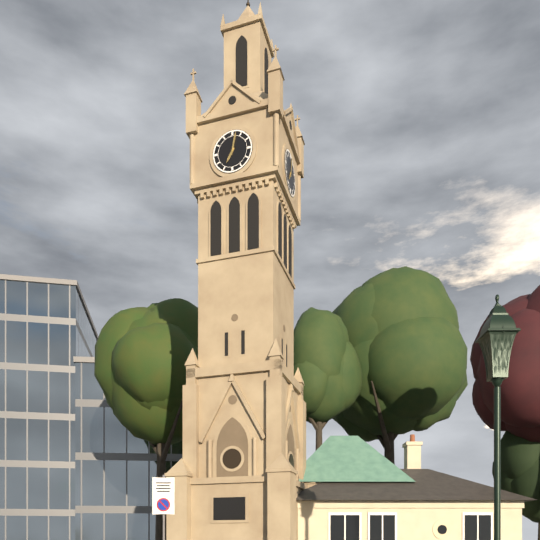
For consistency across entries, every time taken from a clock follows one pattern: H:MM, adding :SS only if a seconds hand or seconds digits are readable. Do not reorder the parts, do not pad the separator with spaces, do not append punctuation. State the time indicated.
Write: 7:02
